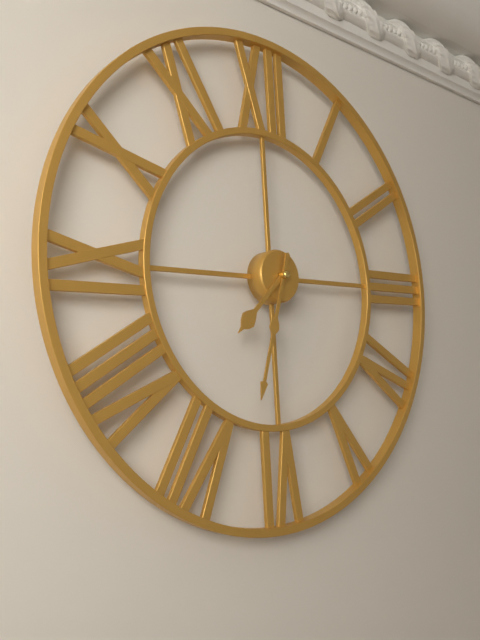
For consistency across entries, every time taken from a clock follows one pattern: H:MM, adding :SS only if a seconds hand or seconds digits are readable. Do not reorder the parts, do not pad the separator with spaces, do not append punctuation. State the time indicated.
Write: 7:33
